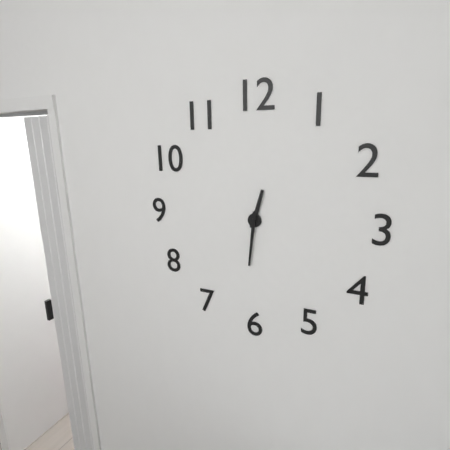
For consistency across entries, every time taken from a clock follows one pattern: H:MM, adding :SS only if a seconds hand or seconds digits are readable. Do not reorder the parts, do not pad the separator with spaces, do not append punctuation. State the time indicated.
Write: 12:31
